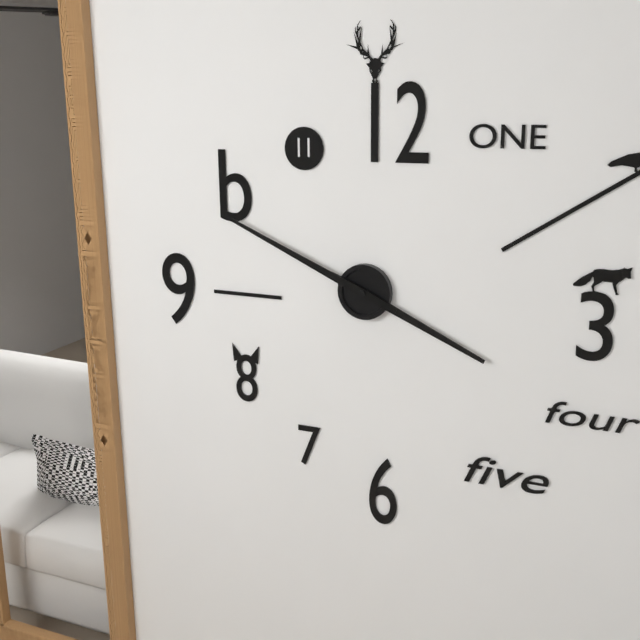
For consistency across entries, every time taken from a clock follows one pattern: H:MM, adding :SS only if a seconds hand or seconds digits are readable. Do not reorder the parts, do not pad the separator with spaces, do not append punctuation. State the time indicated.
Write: 3:49
